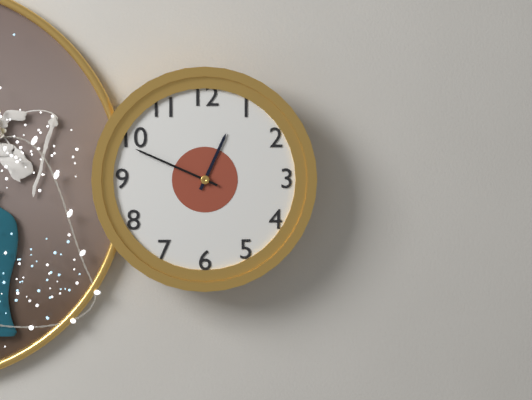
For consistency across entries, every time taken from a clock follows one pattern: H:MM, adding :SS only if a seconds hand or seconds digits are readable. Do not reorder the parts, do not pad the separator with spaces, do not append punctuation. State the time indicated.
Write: 12:49
